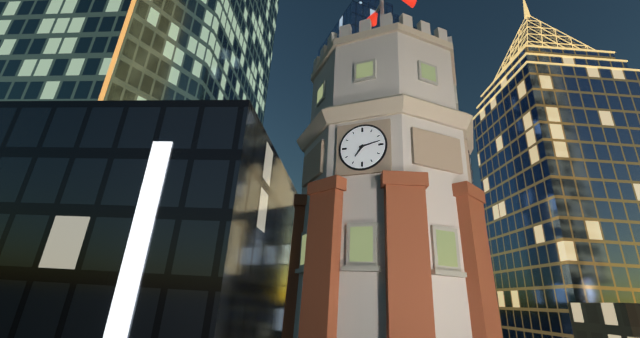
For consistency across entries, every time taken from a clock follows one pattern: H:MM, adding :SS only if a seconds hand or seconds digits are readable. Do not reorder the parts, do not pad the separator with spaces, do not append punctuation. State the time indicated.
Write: 7:13
